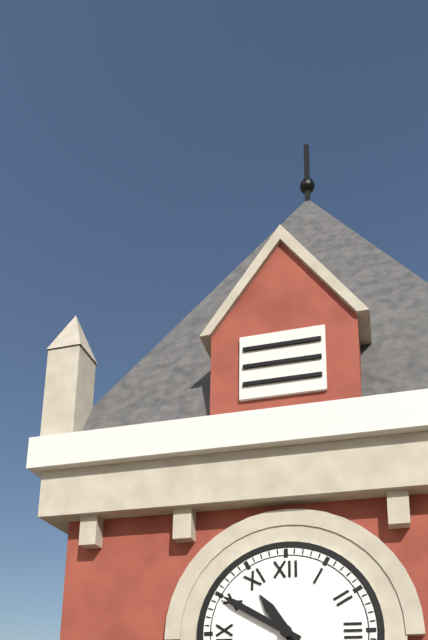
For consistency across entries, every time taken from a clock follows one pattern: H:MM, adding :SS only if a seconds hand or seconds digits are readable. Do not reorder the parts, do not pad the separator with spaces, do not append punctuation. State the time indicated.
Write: 10:50
